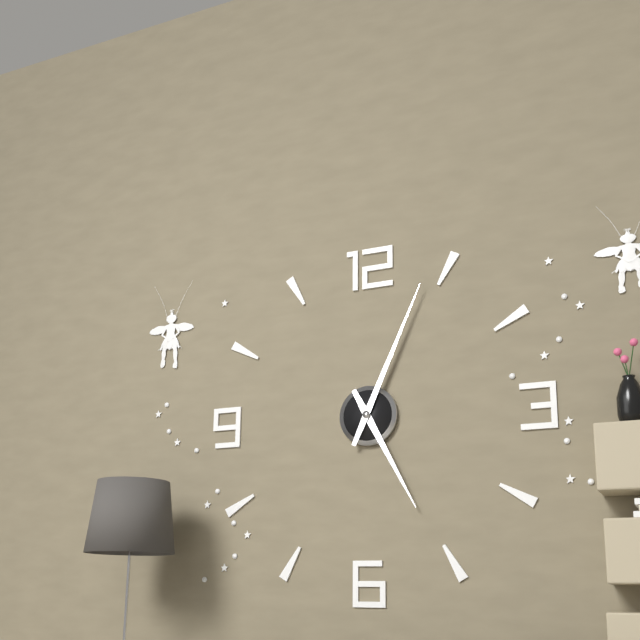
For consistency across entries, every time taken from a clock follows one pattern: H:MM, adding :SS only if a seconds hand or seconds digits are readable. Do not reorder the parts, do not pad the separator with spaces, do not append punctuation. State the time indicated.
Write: 5:04
